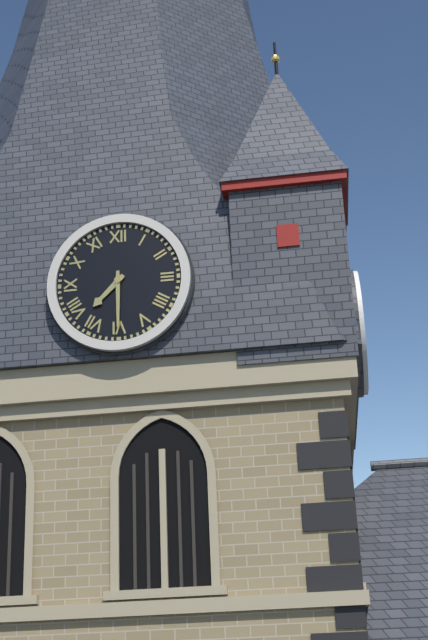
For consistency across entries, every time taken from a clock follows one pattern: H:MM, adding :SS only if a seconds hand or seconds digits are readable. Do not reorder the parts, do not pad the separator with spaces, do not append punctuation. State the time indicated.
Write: 7:30
